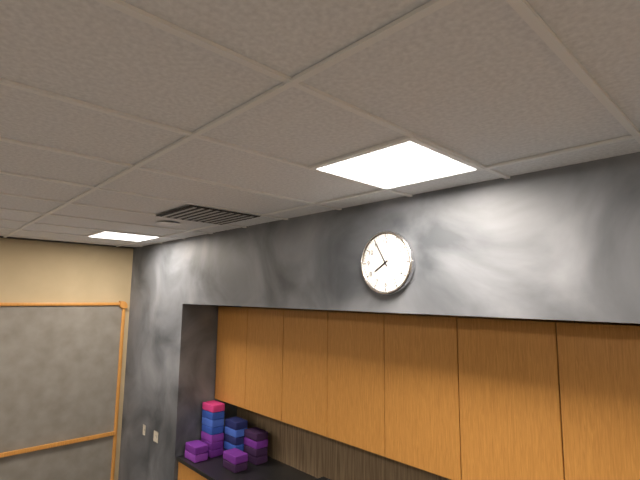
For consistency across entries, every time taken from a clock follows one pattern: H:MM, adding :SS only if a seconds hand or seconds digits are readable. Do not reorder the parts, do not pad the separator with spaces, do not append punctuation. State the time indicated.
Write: 7:55
